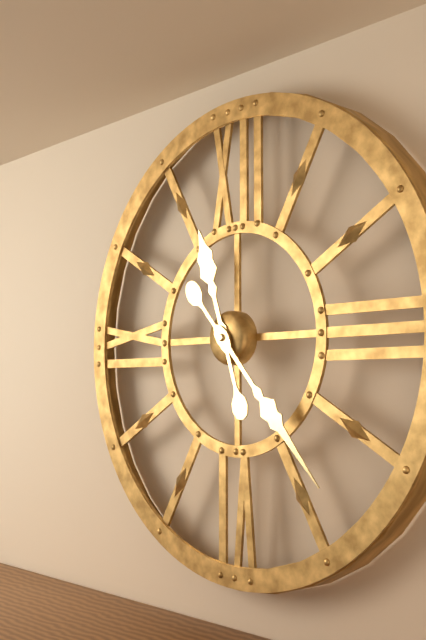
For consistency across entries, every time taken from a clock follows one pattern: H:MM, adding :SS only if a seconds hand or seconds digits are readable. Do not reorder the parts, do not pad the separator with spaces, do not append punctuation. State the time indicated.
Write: 11:23
